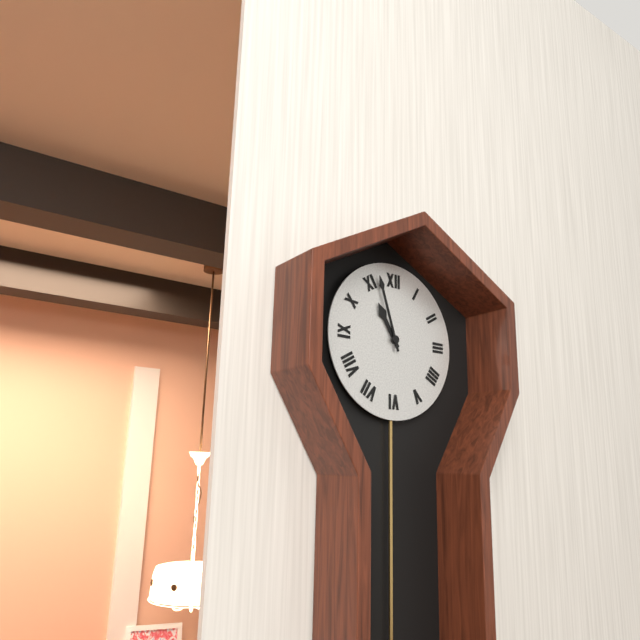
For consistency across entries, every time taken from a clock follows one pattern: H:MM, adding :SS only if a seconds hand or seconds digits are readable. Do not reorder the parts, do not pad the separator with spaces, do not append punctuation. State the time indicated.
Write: 10:57
